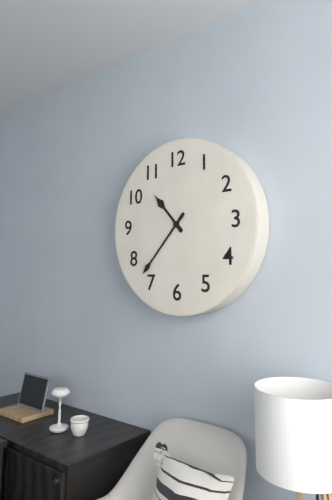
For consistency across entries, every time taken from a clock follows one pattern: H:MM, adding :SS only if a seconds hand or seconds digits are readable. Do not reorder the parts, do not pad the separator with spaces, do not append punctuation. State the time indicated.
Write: 10:37
